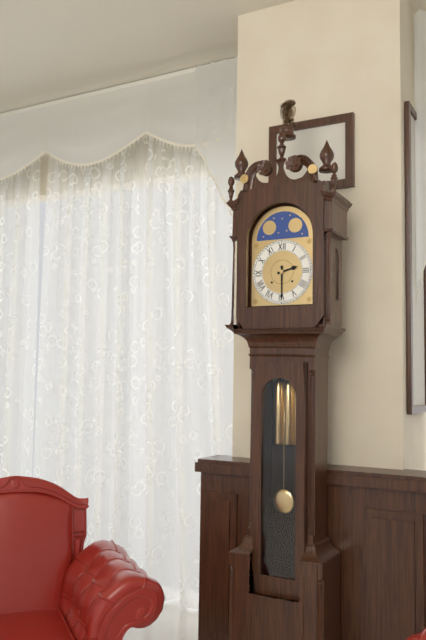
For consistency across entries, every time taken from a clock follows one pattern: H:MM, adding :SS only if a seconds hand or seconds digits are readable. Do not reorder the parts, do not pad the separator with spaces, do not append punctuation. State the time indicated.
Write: 2:30
